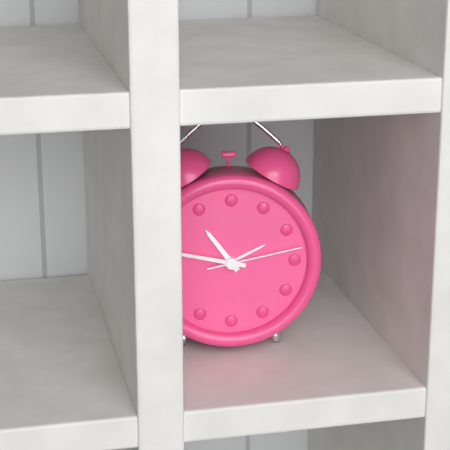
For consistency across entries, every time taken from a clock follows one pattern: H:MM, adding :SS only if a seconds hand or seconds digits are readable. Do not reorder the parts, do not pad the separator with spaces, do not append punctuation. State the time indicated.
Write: 10:47:13
